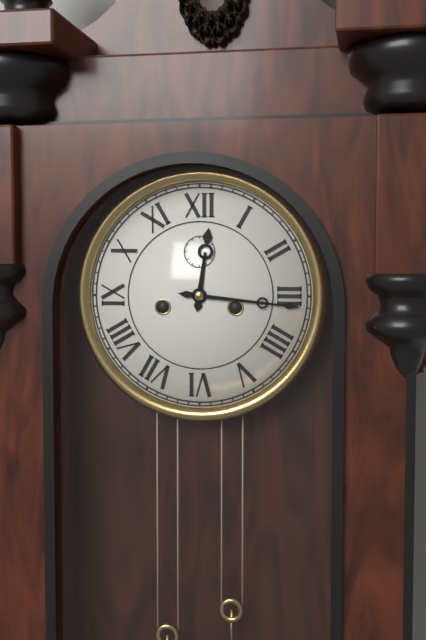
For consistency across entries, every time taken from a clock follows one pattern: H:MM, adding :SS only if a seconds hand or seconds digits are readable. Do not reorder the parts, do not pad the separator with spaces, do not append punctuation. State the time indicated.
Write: 12:16
